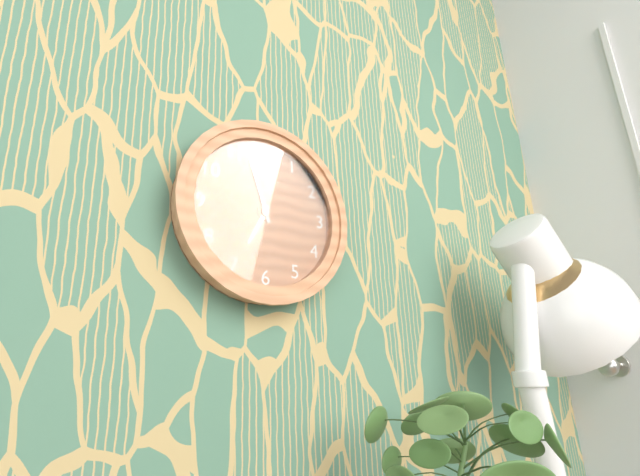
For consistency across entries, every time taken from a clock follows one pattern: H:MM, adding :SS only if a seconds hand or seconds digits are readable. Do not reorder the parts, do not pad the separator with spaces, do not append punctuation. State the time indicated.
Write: 6:57
